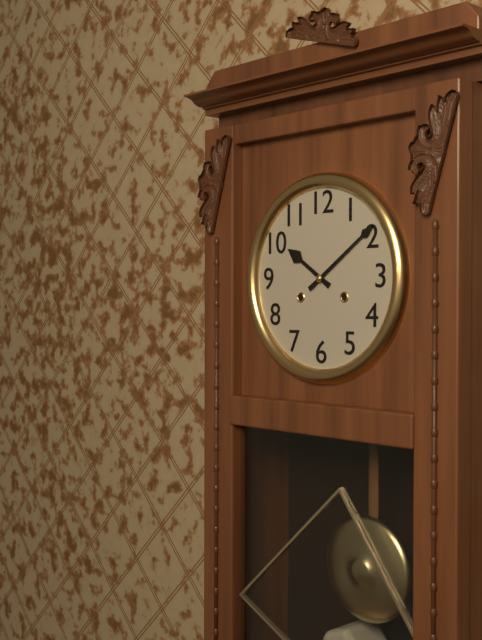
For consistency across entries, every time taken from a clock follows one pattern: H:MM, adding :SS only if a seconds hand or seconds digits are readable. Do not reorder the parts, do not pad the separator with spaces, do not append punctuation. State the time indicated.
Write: 10:09
